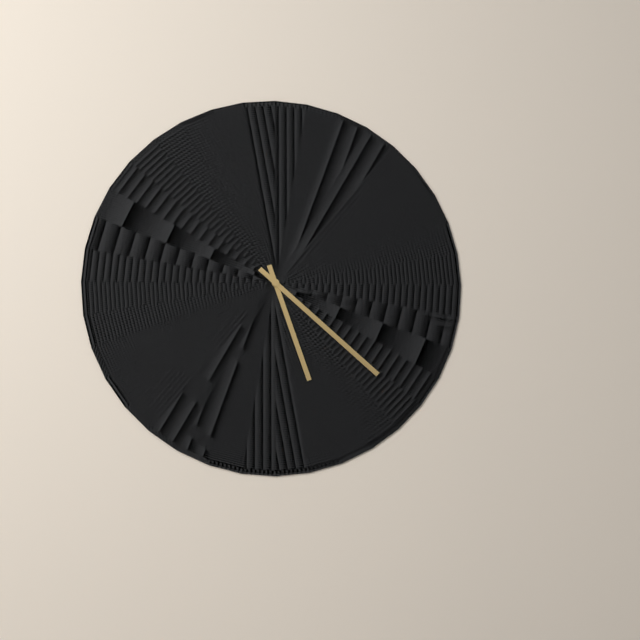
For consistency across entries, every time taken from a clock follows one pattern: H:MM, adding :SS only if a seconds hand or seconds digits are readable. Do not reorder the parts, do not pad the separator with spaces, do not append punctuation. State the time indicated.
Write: 5:22
